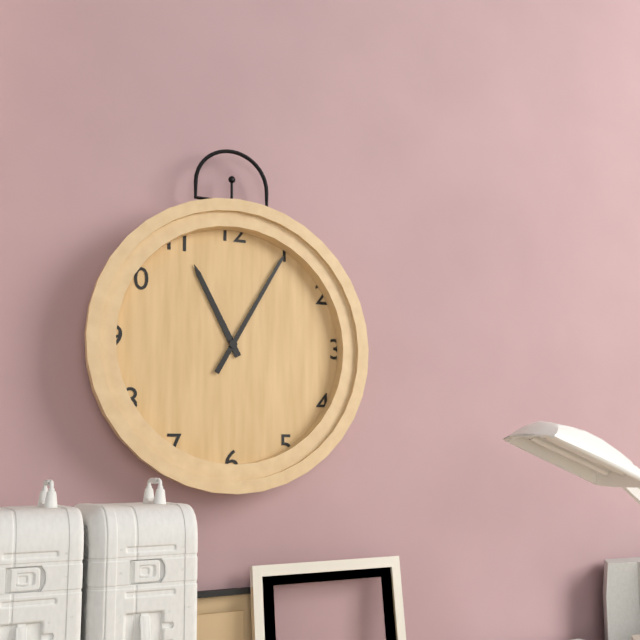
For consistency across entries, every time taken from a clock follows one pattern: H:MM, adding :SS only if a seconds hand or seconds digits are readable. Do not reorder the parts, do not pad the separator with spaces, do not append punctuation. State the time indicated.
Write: 11:05
